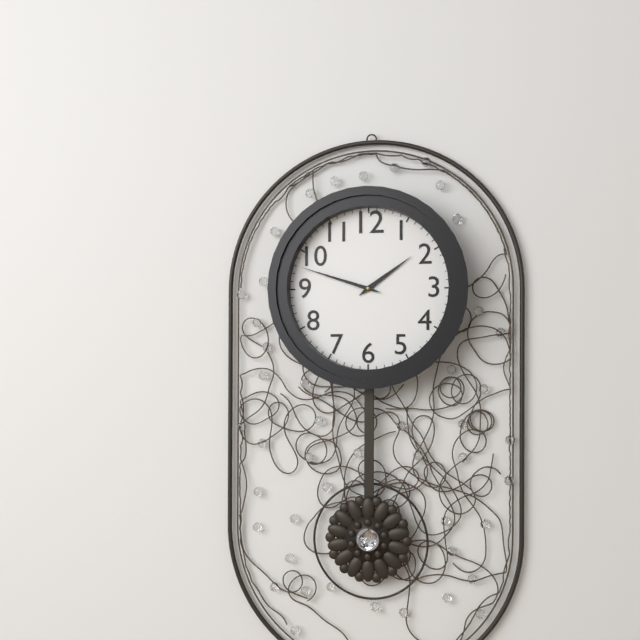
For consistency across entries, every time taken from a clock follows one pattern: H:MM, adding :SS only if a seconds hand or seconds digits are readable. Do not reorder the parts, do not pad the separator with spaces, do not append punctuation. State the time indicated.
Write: 1:48
